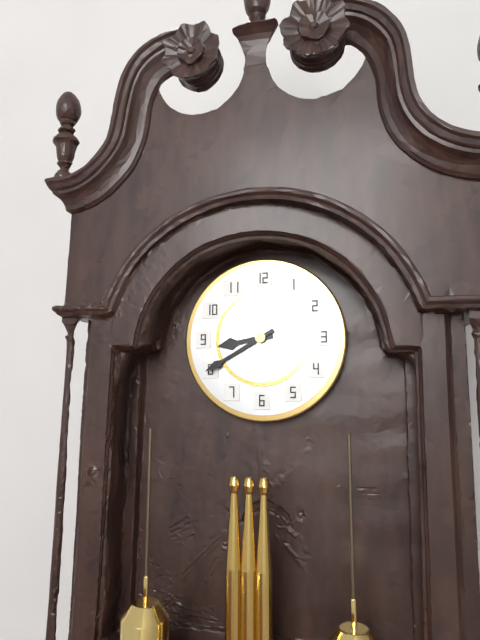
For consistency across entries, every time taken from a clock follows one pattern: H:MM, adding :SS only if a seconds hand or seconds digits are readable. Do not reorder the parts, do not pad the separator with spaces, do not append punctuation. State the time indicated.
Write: 8:40
